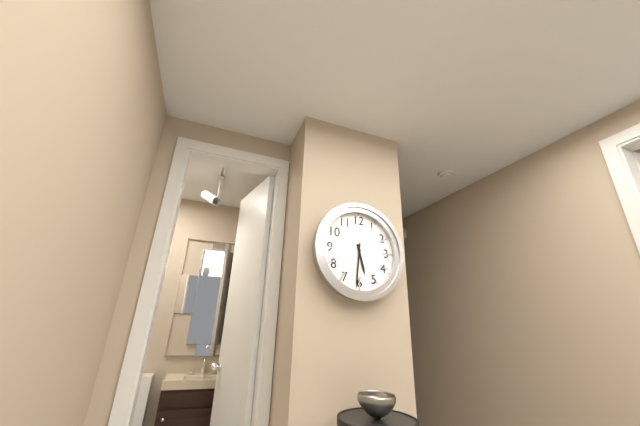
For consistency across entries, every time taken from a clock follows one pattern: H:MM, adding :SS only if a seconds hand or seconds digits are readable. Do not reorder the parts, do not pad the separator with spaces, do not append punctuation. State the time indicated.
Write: 5:31
